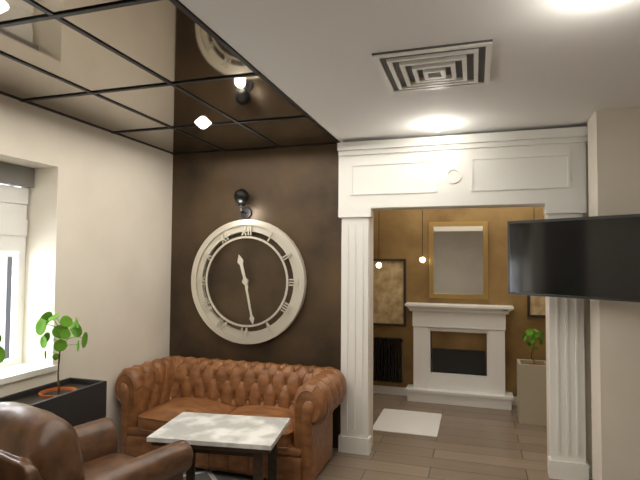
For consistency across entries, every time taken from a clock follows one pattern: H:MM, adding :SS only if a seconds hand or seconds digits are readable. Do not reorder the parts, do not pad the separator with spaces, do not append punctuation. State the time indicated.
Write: 11:28
